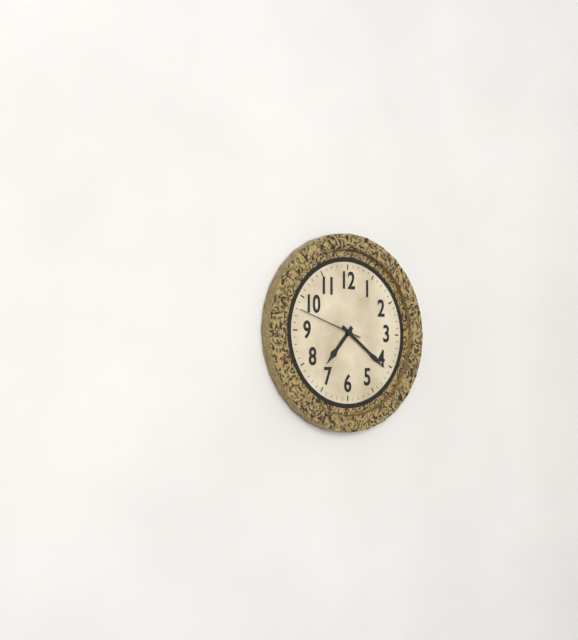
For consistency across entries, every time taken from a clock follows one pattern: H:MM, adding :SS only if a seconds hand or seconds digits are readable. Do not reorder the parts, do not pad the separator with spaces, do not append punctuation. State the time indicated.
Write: 7:21:48
